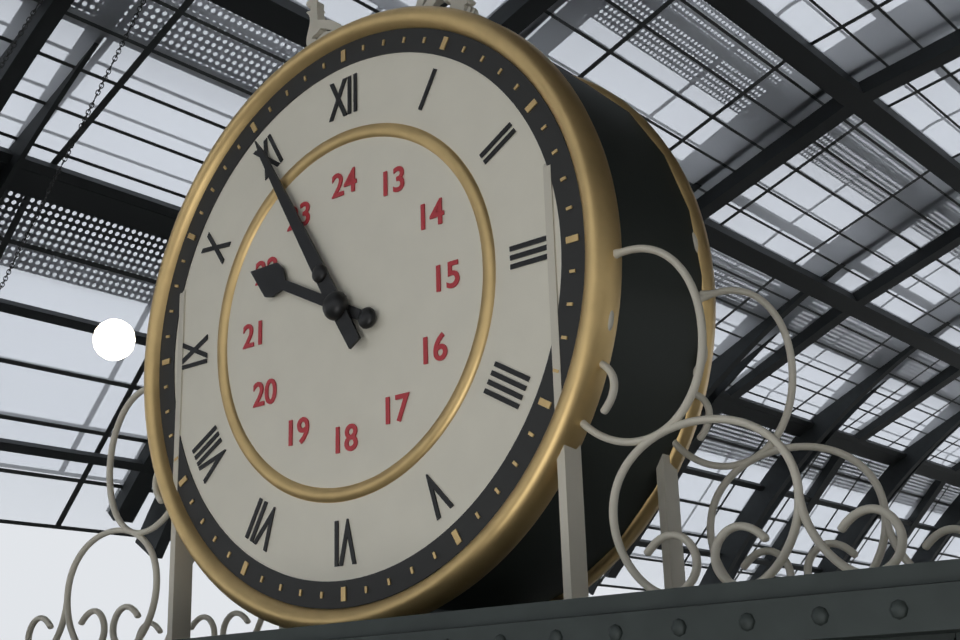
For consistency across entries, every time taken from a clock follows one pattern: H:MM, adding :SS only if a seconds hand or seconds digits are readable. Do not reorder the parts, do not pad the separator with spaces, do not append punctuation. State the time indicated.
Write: 9:55
